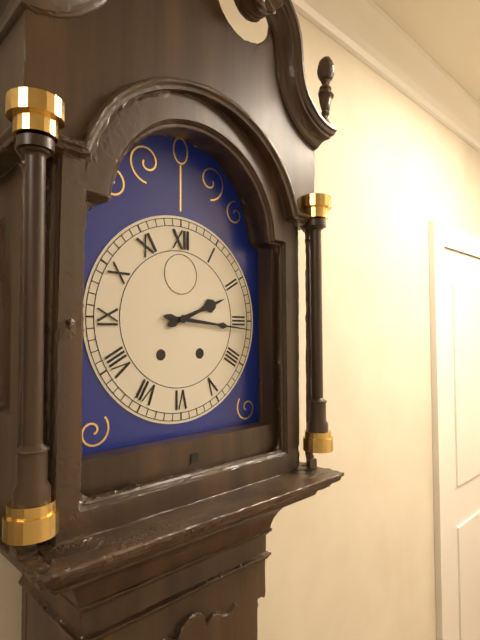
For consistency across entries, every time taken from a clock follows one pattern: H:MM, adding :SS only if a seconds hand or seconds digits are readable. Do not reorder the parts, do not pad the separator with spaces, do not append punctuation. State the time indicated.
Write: 2:16
